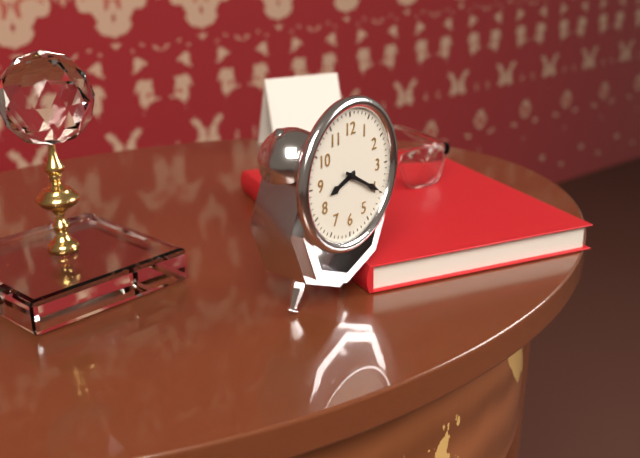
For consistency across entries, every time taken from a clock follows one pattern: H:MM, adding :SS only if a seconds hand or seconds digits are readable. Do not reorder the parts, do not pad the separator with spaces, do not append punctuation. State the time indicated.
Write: 8:20
